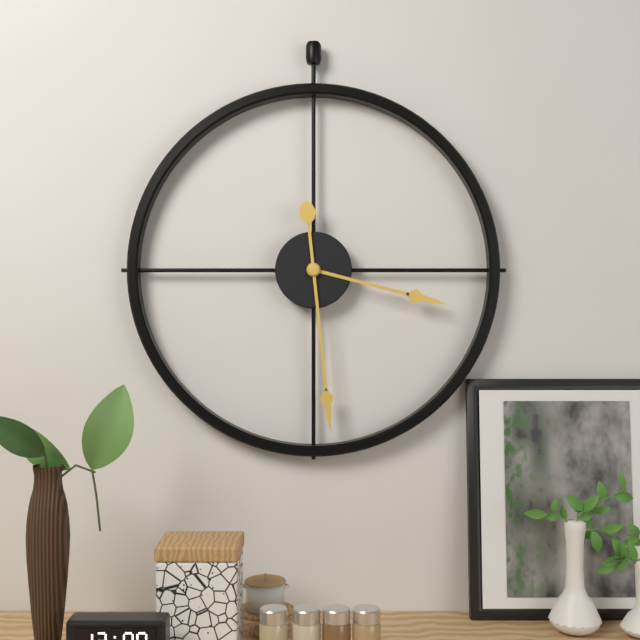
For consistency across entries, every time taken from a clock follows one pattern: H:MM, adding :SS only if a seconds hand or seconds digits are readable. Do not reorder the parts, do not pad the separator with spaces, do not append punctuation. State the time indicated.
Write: 3:29
